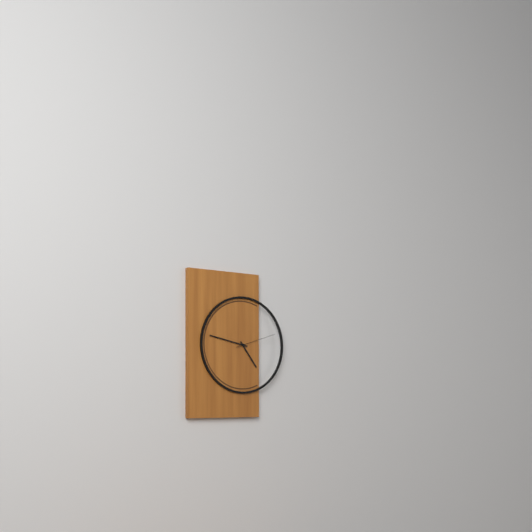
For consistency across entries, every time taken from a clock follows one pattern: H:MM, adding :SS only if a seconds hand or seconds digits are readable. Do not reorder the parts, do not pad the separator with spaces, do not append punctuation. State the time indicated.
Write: 4:47
